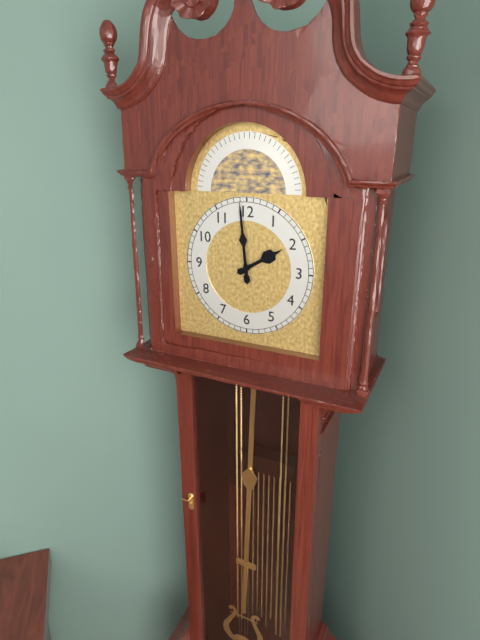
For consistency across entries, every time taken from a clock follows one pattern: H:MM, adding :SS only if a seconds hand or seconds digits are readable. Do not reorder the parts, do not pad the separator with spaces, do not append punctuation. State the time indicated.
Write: 1:59
